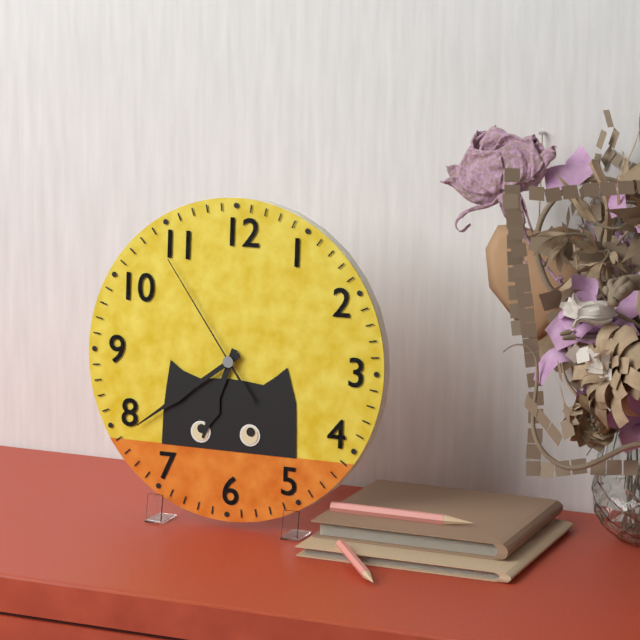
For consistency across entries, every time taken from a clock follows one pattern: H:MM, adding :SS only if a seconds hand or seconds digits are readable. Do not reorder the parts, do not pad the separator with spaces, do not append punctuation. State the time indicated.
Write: 6:39:54
